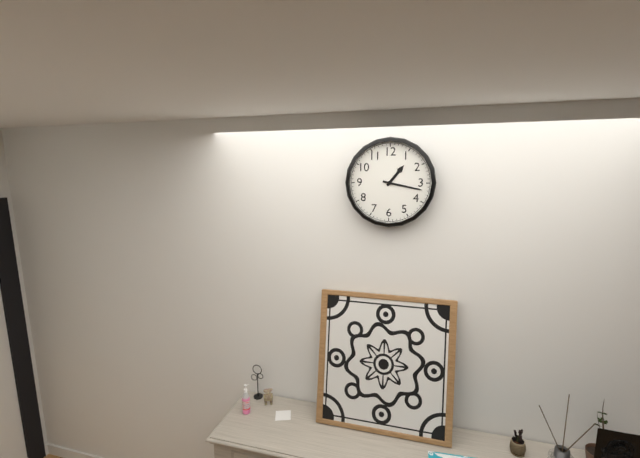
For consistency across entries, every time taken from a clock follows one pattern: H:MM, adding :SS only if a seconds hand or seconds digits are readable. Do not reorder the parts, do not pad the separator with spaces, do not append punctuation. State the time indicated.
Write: 1:17
